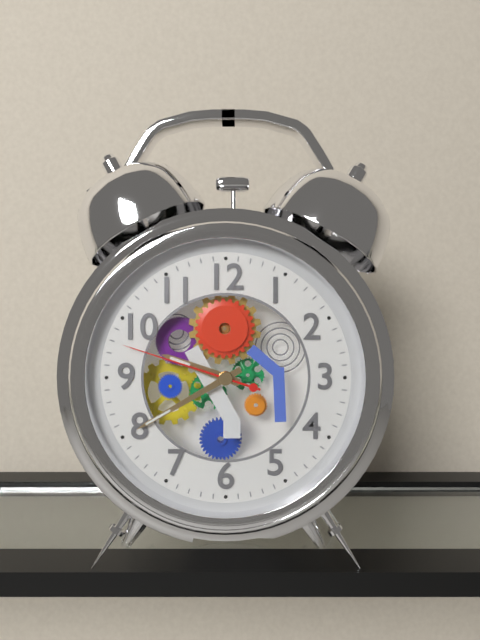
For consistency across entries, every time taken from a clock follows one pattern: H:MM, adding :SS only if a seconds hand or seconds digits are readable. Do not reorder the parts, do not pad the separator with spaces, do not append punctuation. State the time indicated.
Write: 9:40:48
